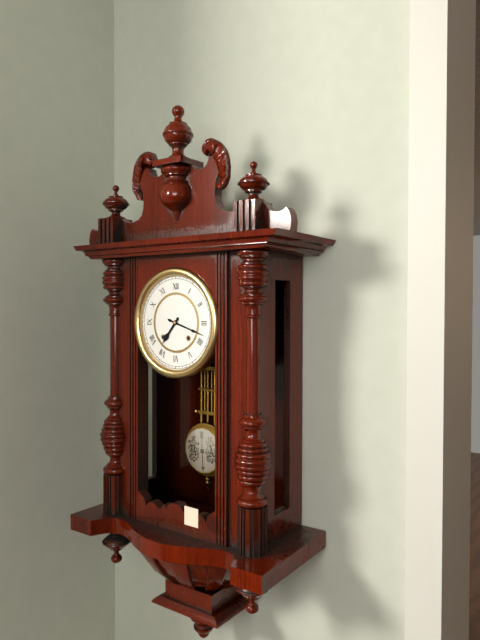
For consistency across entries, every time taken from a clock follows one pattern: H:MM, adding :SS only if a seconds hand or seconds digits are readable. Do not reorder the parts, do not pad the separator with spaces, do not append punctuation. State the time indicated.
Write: 7:18
